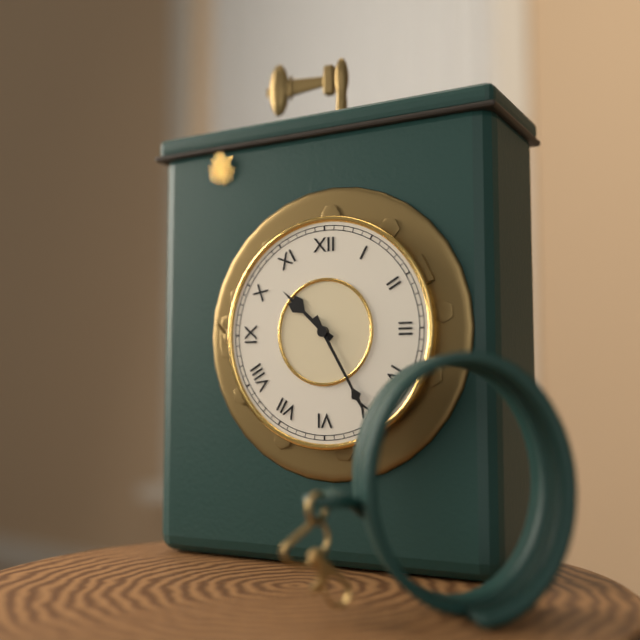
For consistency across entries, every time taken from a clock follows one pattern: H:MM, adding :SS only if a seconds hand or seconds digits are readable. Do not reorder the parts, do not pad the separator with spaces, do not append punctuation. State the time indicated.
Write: 10:25
